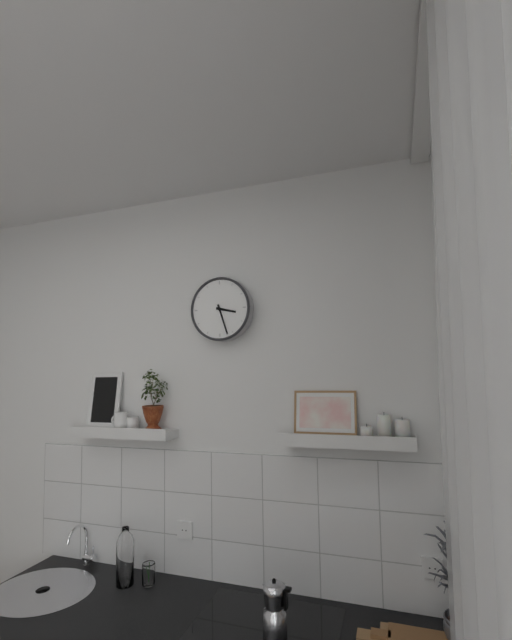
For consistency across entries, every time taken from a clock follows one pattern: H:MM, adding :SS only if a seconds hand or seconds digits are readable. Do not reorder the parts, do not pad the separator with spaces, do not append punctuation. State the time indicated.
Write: 3:27
